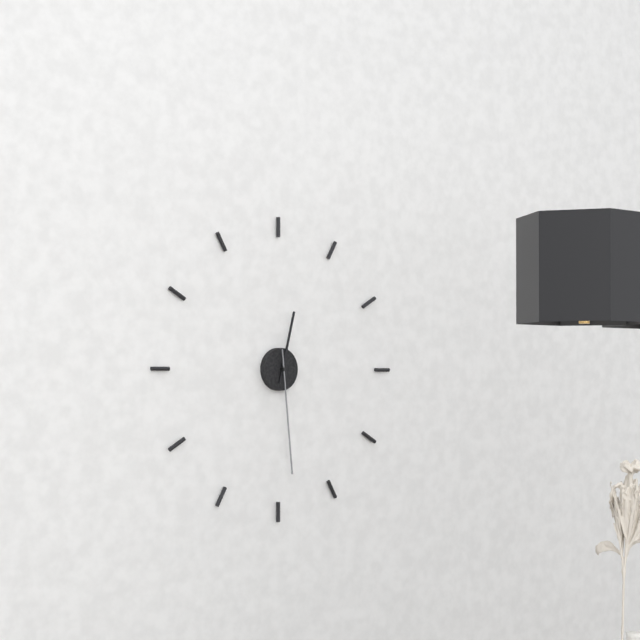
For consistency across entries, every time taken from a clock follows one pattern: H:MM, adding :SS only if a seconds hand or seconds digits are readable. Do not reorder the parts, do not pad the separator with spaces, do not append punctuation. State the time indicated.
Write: 12:29
